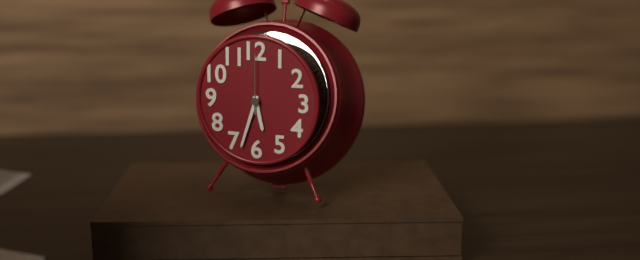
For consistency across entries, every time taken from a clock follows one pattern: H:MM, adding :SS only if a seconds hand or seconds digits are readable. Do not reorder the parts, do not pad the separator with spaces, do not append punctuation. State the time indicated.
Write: 5:33:00
